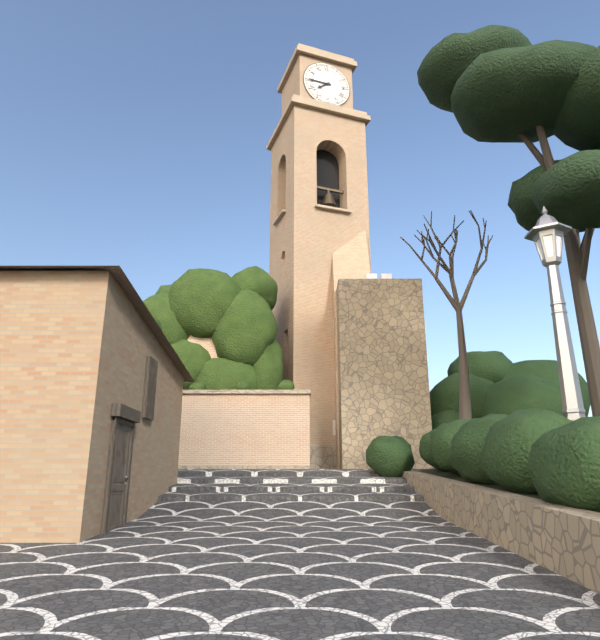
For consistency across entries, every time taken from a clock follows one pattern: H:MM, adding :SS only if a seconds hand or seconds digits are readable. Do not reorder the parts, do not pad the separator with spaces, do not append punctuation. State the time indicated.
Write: 7:45
